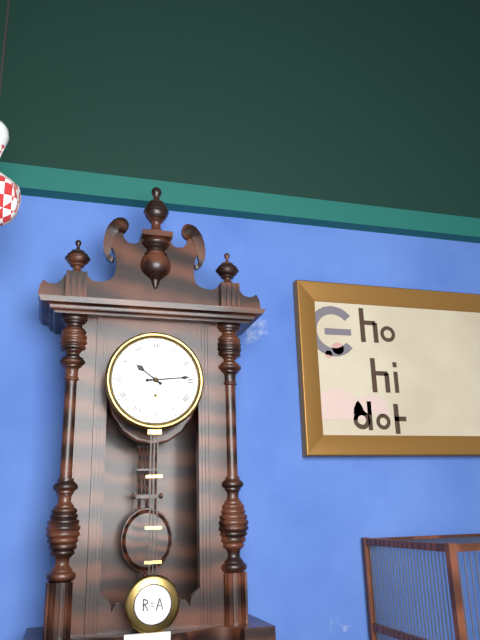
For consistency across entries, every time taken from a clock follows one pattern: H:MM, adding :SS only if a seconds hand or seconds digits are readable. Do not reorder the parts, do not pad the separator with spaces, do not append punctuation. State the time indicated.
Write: 10:14
